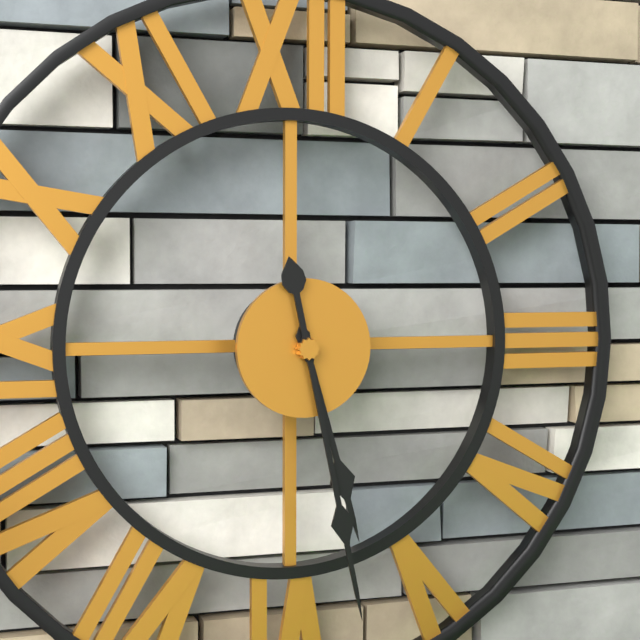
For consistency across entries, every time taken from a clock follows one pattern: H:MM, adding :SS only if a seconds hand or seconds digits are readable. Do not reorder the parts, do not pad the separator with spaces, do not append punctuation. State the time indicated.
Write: 5:28
